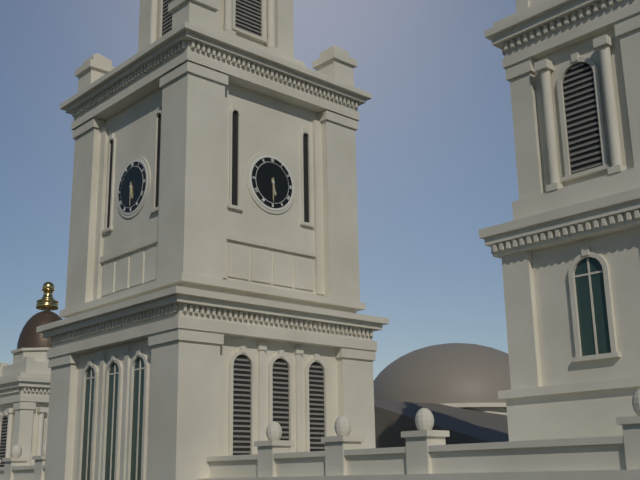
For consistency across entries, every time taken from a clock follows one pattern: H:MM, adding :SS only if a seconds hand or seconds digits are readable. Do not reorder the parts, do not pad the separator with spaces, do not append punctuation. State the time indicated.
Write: 5:30
